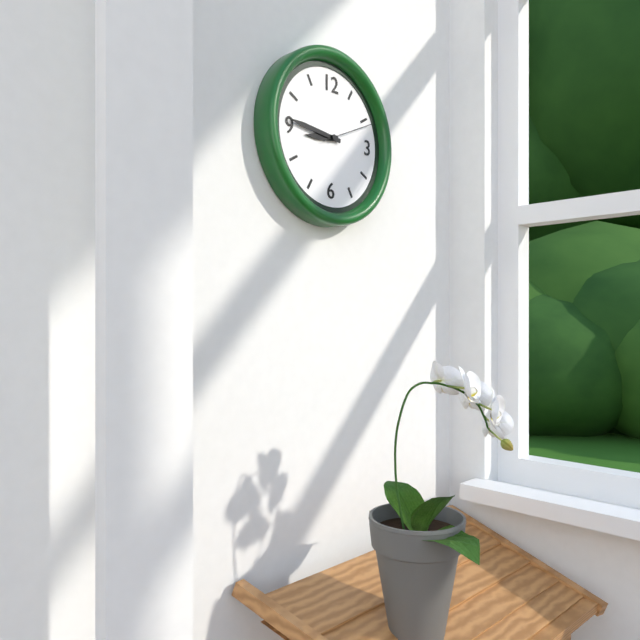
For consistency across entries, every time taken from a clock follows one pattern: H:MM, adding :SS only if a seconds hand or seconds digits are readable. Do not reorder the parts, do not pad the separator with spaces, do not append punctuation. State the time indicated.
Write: 8:46:11
